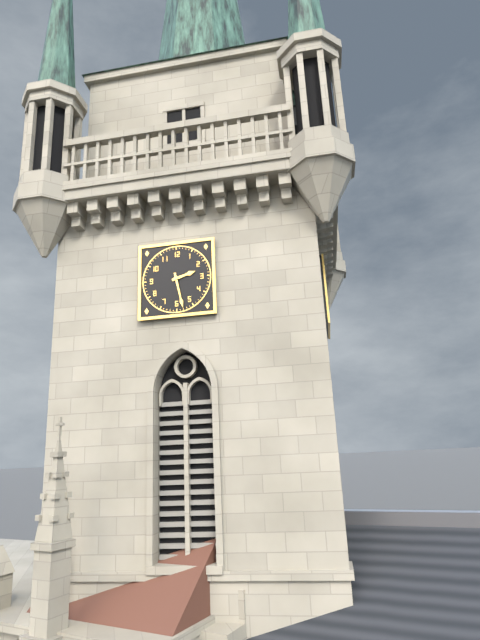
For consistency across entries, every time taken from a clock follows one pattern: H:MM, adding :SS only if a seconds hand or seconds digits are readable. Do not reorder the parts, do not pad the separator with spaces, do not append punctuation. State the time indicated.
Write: 2:28
